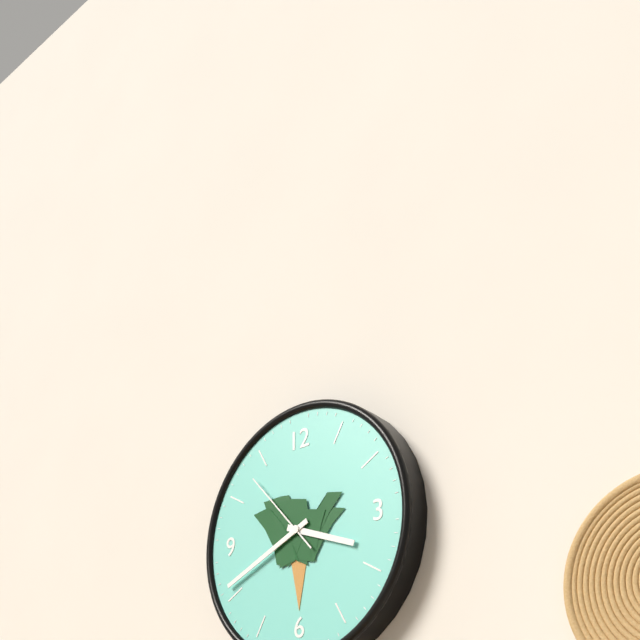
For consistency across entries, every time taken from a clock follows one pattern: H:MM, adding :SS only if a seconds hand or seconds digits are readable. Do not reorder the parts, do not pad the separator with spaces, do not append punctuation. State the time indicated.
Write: 3:41:53
